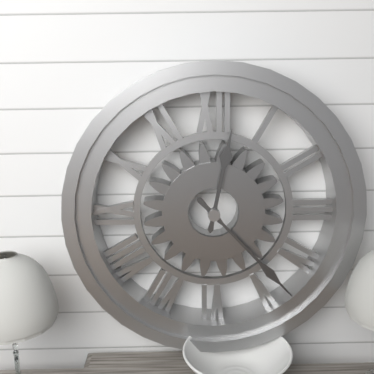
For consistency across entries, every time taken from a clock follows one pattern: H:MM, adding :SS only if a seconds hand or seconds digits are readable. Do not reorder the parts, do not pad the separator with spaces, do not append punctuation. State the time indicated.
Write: 12:23
